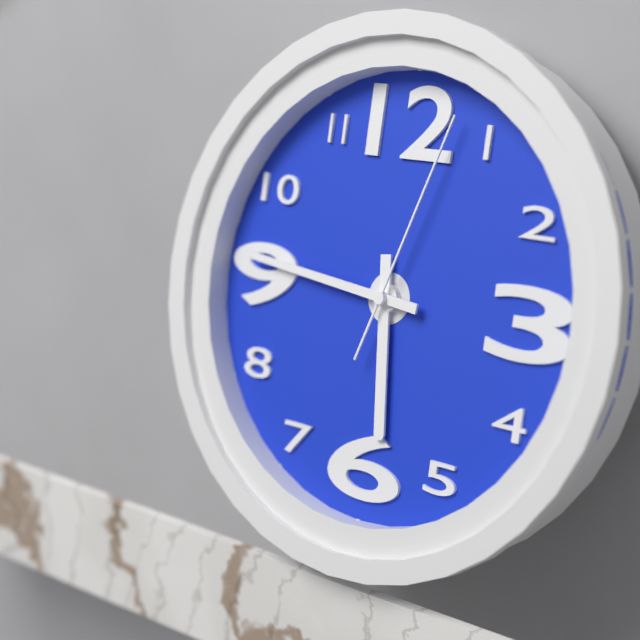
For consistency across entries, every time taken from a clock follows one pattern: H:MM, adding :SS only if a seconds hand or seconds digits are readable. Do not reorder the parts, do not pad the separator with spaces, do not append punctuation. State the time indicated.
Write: 5:46:03
